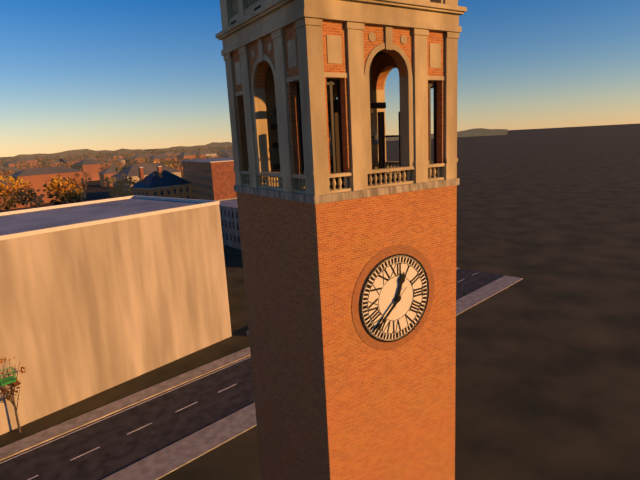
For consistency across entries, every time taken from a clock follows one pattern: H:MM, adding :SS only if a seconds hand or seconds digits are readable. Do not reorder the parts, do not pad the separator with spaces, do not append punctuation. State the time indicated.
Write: 12:38
